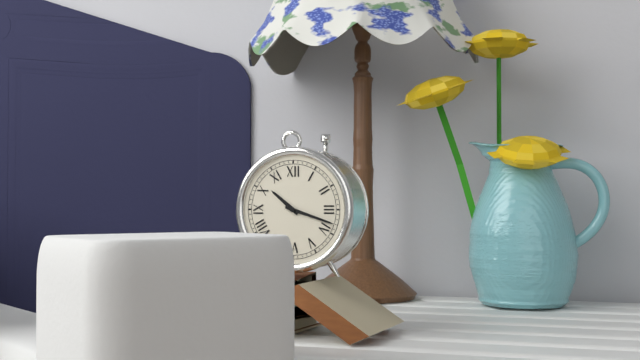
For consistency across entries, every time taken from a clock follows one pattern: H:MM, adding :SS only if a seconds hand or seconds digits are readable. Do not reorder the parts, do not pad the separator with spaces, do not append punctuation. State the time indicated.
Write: 10:18
